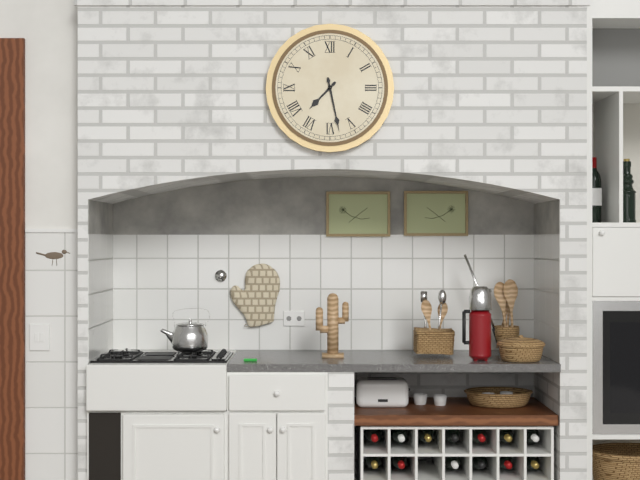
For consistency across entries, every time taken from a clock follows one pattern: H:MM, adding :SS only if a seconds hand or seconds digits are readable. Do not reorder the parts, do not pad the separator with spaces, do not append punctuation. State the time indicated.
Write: 7:28
